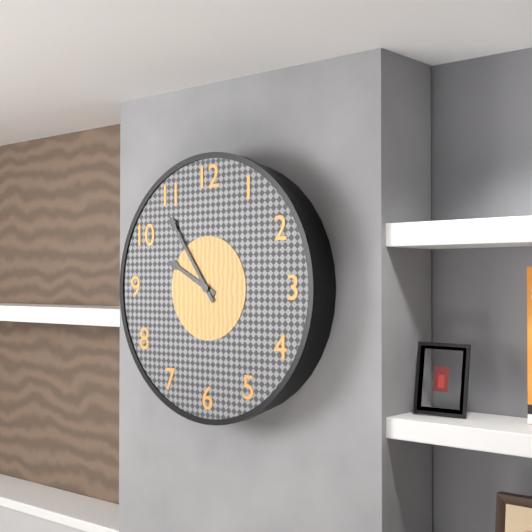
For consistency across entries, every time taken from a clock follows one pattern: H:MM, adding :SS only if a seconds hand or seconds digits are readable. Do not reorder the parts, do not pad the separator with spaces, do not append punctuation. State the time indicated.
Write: 9:54
